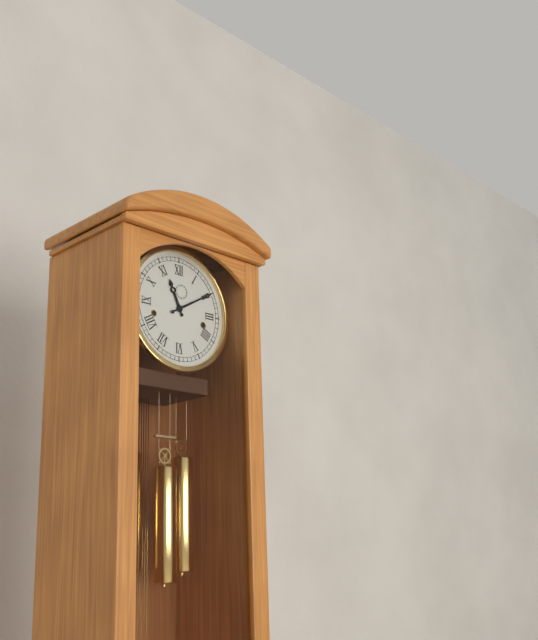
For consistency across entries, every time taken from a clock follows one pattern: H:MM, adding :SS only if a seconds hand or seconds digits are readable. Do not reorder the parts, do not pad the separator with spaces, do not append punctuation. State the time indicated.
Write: 11:10
